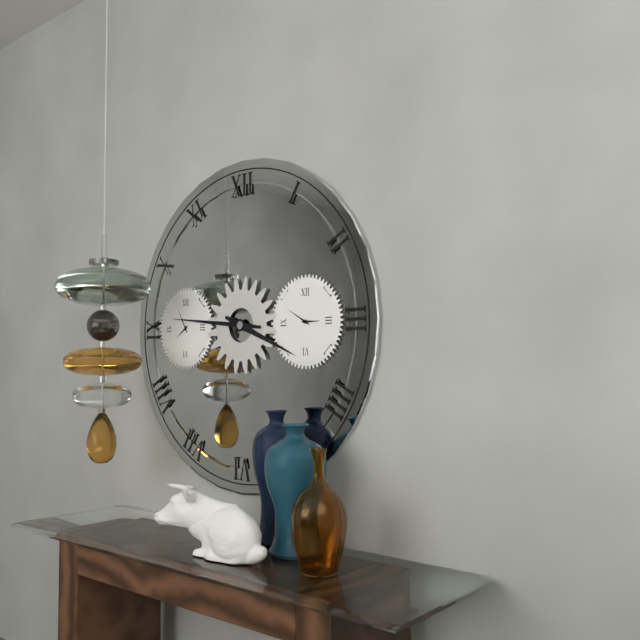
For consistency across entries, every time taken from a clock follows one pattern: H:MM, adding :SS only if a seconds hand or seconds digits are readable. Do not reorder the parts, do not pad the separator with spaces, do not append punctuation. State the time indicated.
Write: 3:46
